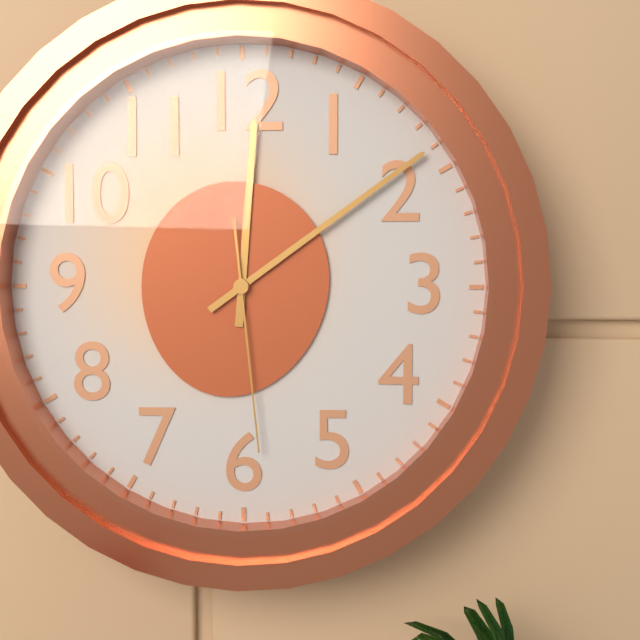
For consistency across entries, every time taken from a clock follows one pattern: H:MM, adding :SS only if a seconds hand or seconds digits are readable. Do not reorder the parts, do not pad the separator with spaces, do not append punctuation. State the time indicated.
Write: 12:09:29
